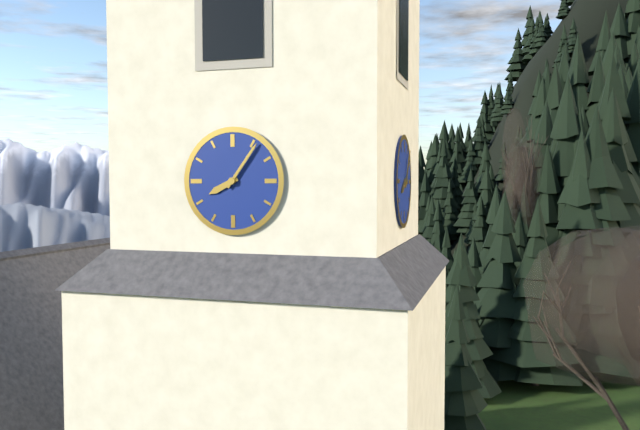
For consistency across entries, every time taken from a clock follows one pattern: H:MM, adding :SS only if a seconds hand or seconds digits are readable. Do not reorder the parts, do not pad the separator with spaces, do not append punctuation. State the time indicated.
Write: 8:06
